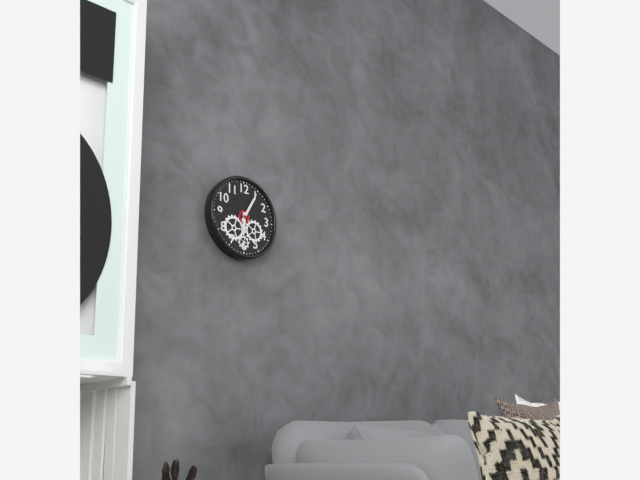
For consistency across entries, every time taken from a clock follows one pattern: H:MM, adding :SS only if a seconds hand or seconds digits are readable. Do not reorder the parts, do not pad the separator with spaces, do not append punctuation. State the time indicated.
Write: 6:05
